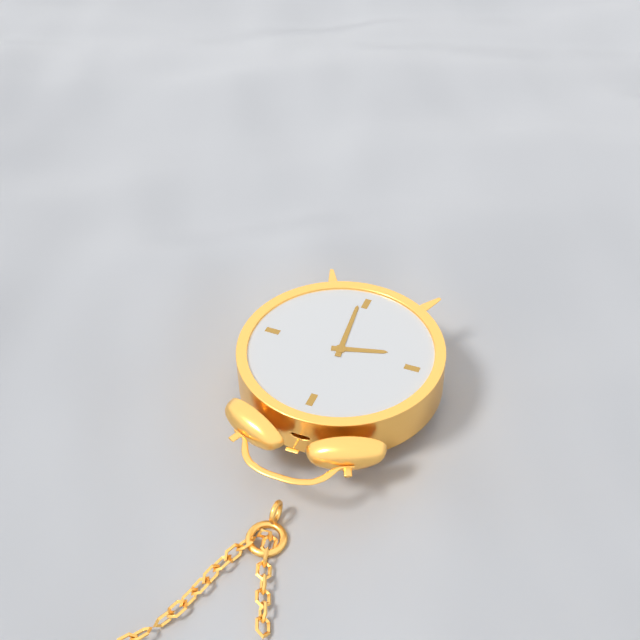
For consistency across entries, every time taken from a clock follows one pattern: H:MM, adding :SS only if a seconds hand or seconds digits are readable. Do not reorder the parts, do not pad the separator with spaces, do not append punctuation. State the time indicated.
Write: 8:29
